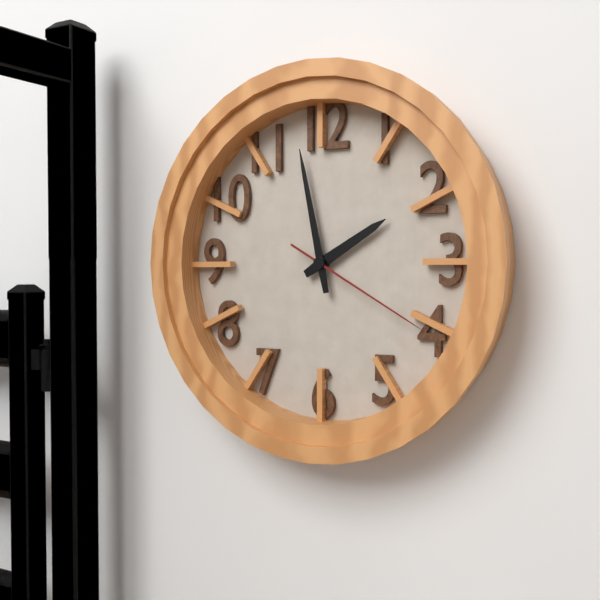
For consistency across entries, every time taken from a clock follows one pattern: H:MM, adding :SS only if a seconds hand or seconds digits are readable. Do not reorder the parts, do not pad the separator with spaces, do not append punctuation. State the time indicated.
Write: 1:58:20
